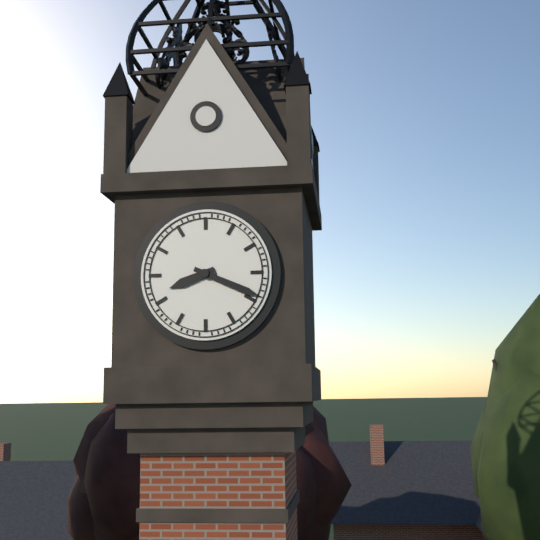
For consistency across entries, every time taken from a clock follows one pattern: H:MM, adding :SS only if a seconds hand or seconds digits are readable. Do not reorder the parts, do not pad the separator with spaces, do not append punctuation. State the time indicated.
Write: 8:19
